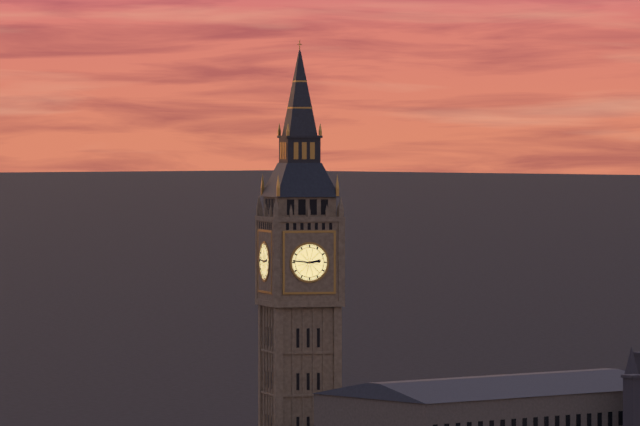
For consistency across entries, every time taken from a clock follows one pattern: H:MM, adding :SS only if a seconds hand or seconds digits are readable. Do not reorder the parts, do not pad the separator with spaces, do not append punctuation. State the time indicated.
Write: 2:46
